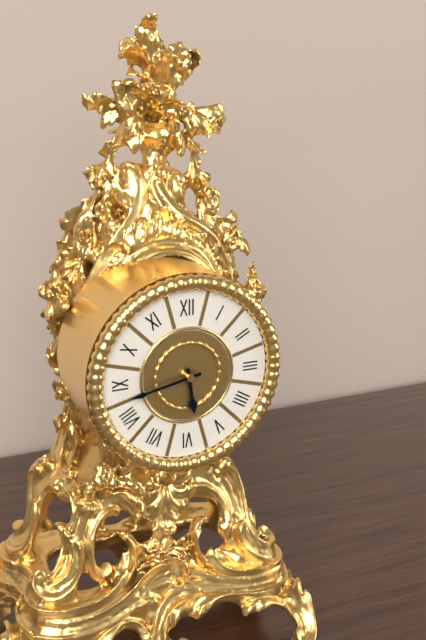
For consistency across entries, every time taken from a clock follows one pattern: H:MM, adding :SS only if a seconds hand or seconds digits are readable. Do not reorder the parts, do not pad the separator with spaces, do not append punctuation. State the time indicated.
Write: 5:43
